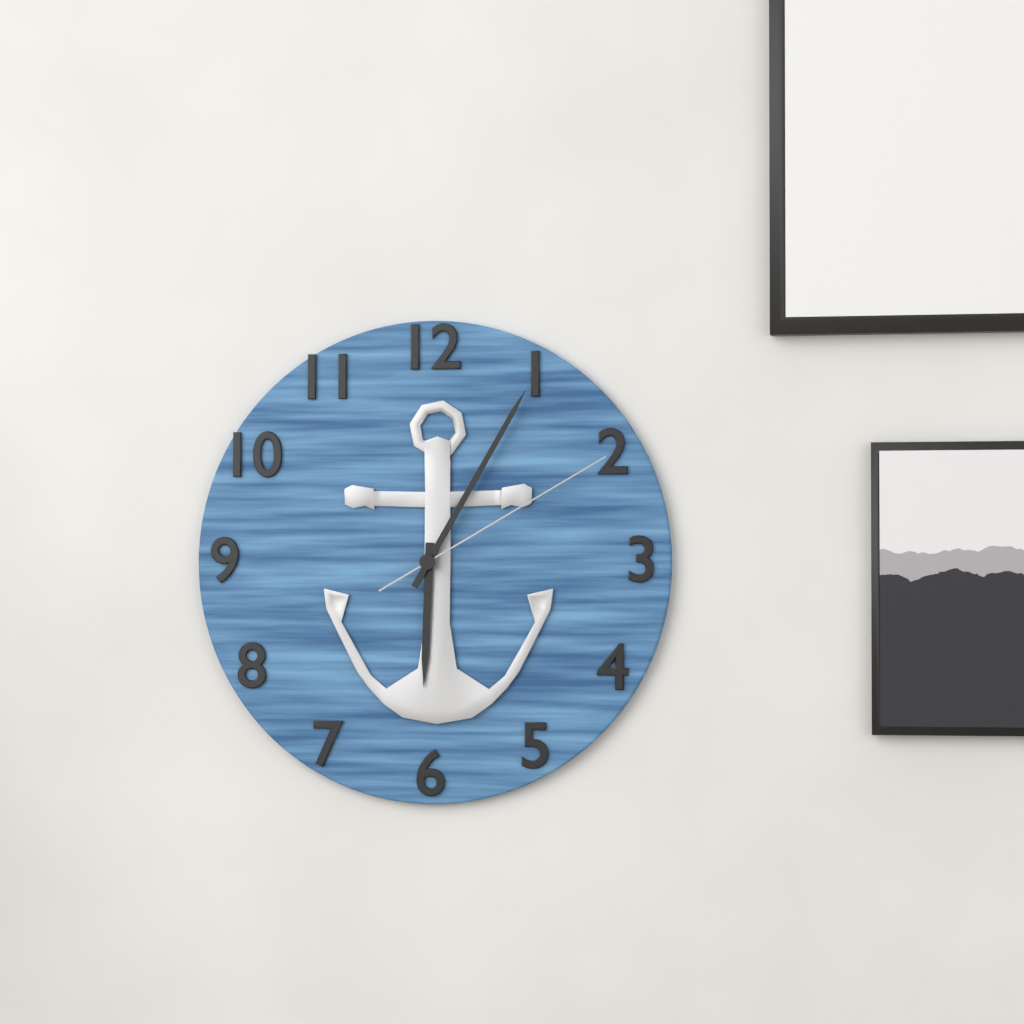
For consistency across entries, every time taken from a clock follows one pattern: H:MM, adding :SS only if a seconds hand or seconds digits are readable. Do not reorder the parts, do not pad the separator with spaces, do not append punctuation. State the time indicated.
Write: 6:05:10
